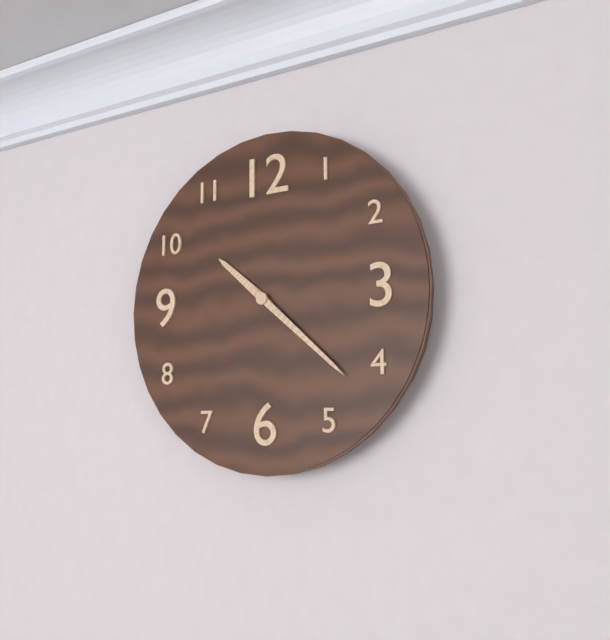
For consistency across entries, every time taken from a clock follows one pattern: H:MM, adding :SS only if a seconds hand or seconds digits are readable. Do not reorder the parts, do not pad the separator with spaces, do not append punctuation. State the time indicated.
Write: 10:22
